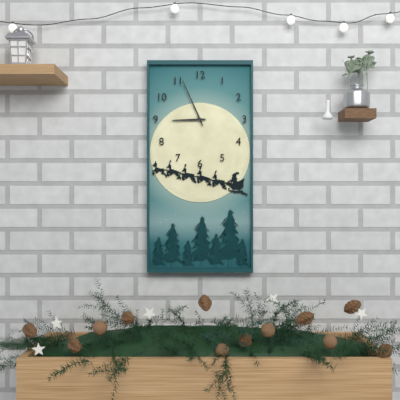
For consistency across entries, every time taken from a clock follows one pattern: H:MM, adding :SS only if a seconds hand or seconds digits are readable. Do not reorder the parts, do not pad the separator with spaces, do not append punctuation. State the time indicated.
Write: 8:56
